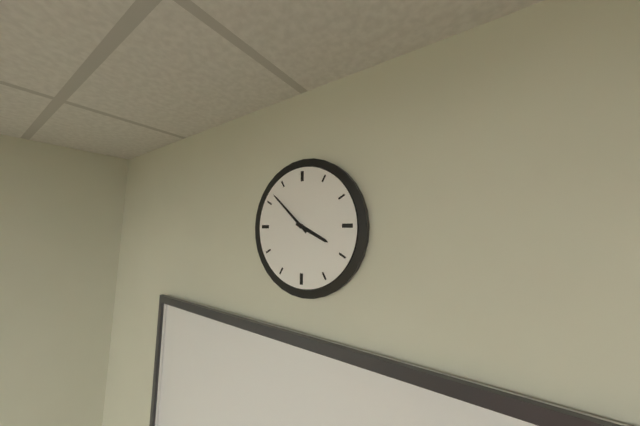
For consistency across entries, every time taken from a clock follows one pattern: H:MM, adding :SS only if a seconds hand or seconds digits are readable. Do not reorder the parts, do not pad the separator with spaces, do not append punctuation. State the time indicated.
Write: 3:52
